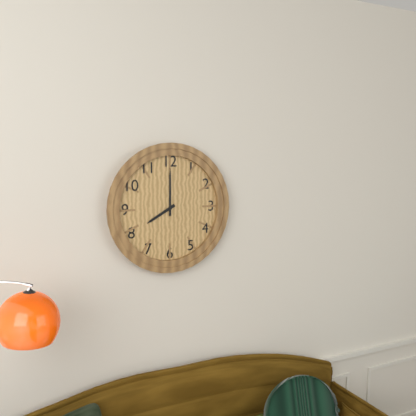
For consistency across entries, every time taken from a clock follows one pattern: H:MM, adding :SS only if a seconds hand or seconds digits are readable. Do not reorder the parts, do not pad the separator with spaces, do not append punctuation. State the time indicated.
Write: 8:00
